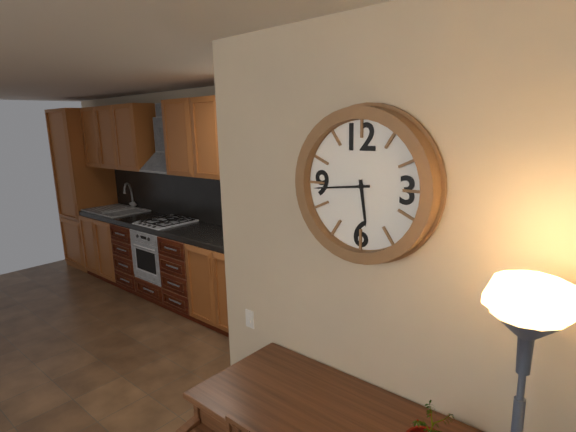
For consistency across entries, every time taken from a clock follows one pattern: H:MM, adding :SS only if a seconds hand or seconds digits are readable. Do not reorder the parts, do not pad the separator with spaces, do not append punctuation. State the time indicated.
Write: 5:44
